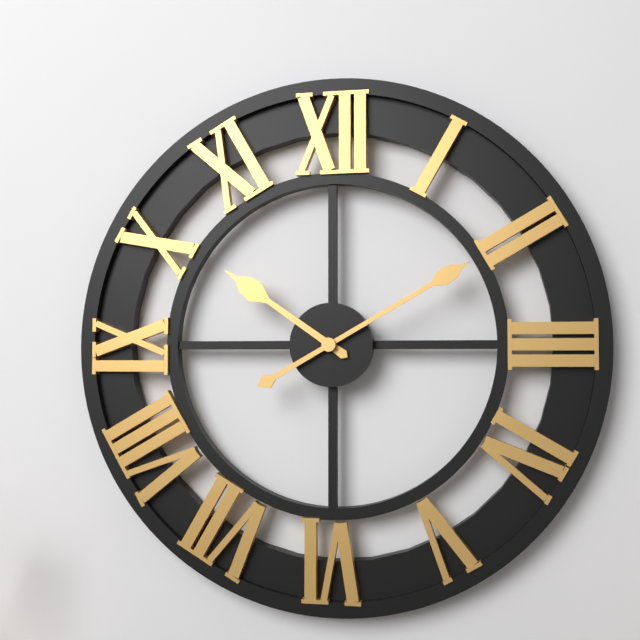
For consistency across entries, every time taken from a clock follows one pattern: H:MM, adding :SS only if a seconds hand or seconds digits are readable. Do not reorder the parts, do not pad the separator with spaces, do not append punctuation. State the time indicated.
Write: 10:10
